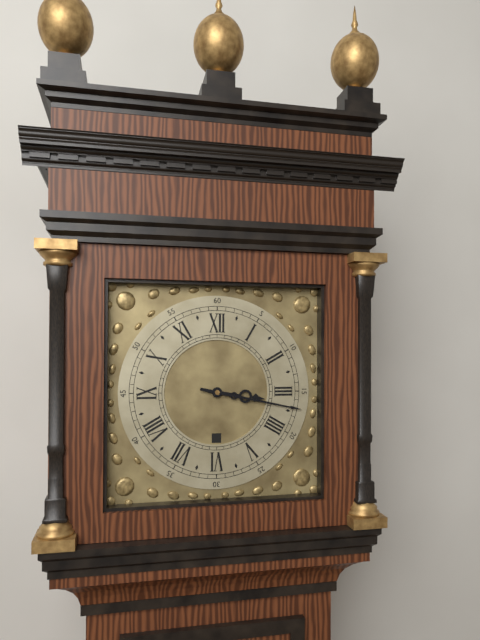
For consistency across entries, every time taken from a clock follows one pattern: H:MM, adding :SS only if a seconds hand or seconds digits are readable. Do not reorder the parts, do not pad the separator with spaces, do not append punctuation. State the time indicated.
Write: 3:17
